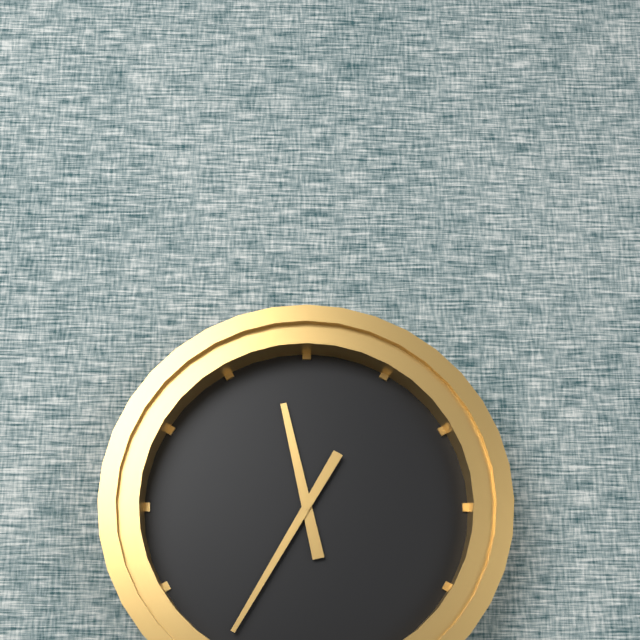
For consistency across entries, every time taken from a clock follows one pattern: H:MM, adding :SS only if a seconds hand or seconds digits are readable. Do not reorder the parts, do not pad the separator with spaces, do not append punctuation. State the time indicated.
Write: 11:35
